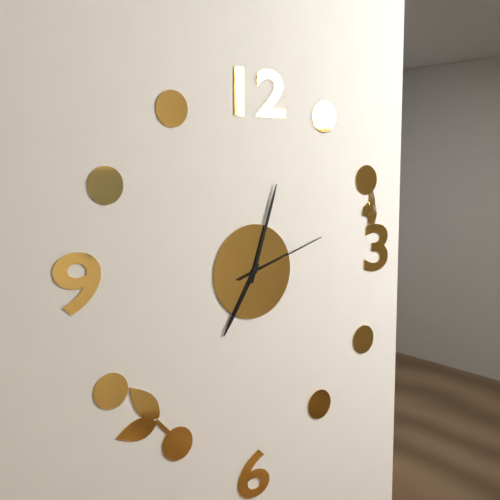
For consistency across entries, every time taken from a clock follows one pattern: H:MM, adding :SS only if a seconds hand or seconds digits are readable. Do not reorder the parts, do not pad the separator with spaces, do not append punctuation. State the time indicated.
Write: 7:03:12
